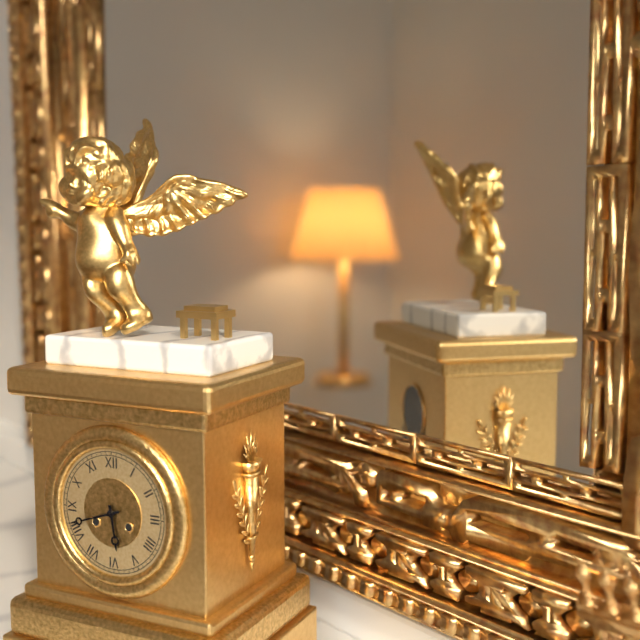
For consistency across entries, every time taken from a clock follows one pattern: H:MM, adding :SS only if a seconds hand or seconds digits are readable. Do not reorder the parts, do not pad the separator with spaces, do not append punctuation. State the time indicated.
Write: 5:42
